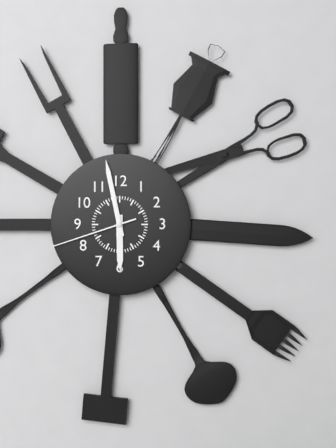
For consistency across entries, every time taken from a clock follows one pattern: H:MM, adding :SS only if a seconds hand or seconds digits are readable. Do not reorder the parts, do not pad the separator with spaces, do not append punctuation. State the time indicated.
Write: 5:58:42
